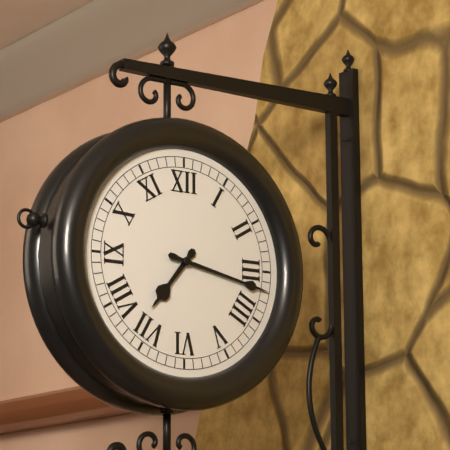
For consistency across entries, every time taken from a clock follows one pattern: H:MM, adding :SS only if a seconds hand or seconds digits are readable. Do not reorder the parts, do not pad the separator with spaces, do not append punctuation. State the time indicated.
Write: 7:17
